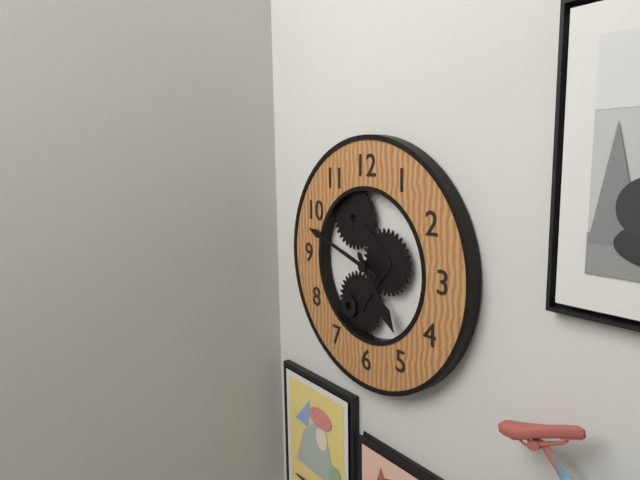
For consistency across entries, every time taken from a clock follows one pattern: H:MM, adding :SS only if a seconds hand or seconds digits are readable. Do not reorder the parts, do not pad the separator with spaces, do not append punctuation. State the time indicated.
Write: 4:48
